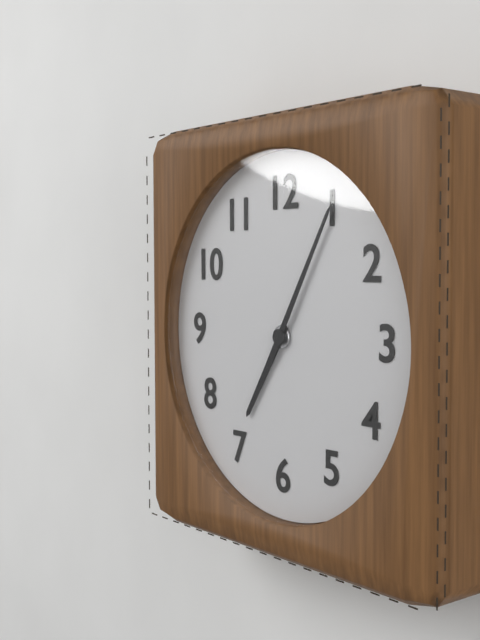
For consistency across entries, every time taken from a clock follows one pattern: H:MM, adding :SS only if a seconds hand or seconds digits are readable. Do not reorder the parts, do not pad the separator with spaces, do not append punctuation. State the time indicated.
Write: 7:05
